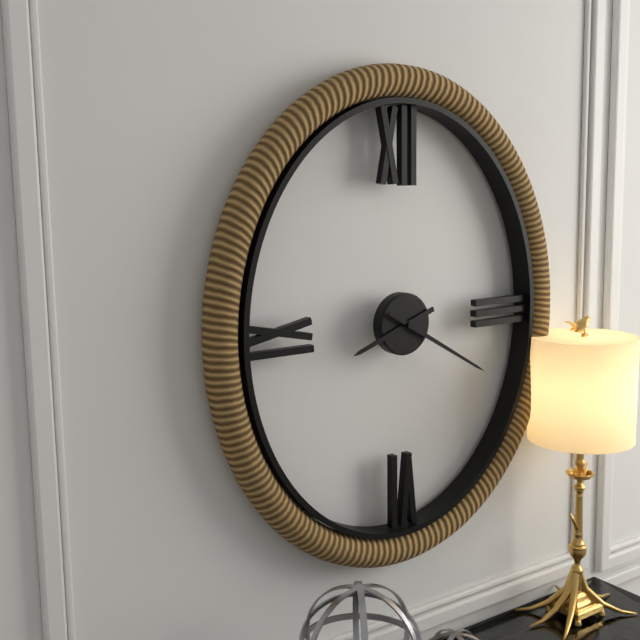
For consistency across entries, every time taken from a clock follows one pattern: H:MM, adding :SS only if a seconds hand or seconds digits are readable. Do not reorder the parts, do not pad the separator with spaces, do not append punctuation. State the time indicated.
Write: 8:20
